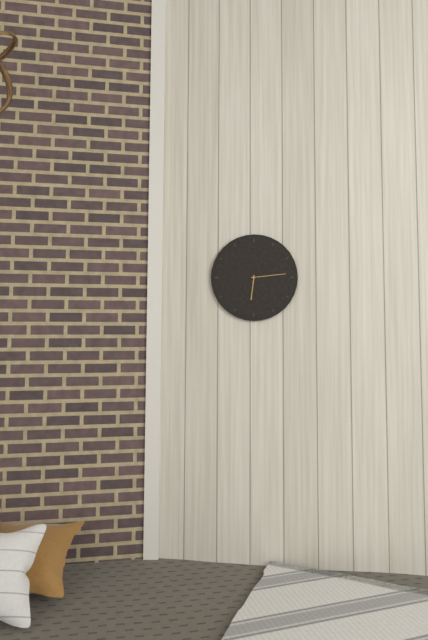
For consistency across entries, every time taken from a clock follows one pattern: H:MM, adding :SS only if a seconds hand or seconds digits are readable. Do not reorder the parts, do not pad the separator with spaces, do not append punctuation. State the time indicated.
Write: 6:14
